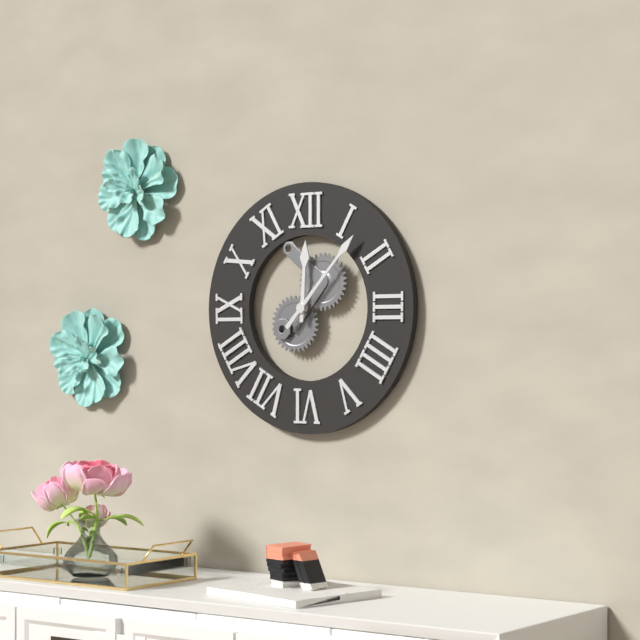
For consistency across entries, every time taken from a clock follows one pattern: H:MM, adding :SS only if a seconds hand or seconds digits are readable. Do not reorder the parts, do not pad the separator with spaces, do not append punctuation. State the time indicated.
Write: 12:07
